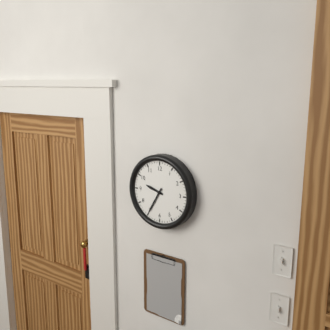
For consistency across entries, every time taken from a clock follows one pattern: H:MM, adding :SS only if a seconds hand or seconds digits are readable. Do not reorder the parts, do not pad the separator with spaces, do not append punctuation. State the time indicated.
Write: 9:35
